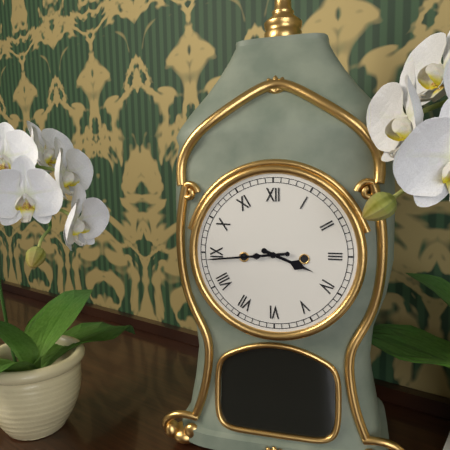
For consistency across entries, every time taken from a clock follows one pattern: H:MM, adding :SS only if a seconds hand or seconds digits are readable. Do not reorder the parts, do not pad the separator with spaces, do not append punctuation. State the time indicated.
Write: 3:44
